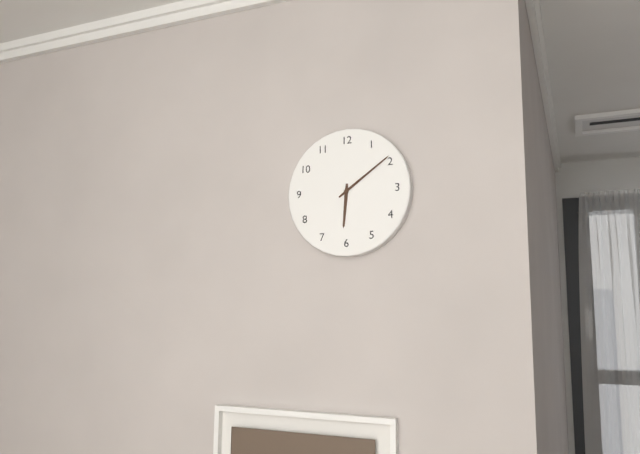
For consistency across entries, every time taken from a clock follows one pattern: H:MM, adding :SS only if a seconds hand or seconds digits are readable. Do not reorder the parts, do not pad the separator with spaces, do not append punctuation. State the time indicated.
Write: 6:09
